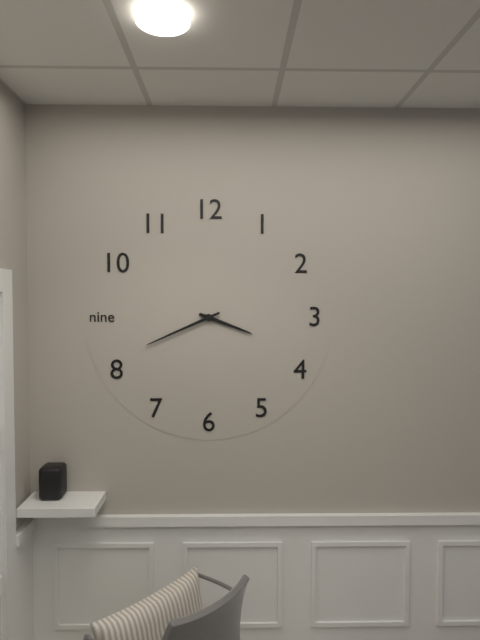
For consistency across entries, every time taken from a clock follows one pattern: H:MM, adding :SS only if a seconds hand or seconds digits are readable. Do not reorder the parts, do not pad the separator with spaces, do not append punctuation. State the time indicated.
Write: 3:41
